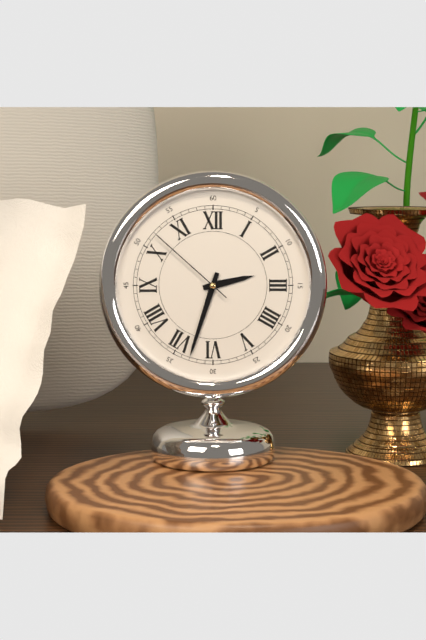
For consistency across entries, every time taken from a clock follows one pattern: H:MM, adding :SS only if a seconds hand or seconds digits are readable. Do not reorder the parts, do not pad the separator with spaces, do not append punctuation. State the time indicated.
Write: 2:33:52
